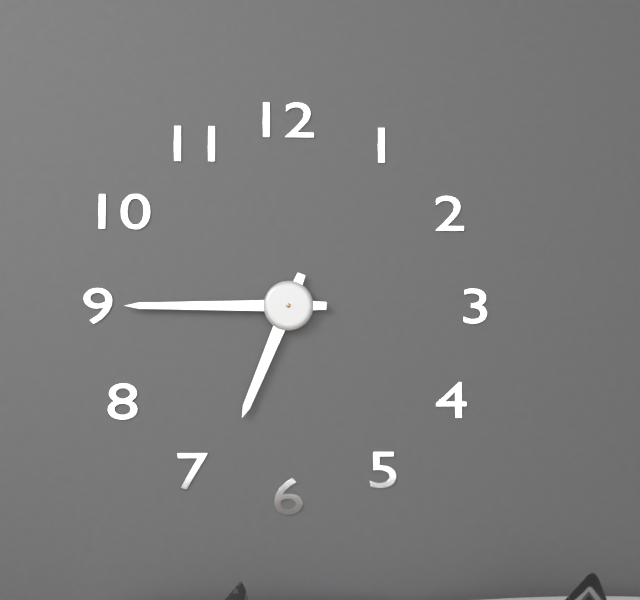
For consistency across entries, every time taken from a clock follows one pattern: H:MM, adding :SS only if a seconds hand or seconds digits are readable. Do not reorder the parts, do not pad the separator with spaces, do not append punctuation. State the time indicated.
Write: 6:45
